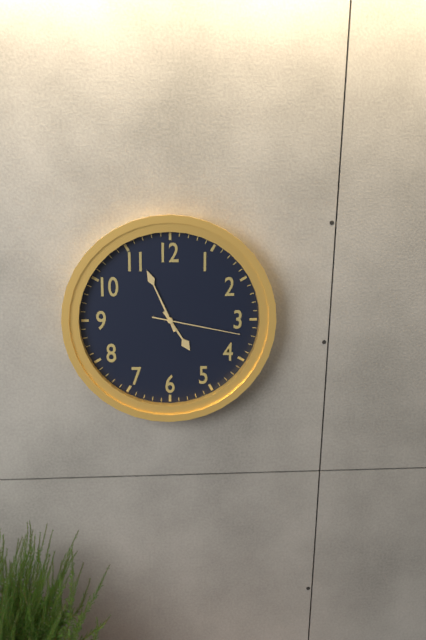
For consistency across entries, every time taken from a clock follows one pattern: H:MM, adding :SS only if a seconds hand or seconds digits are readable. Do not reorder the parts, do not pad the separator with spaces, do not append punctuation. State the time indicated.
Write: 4:56:17
